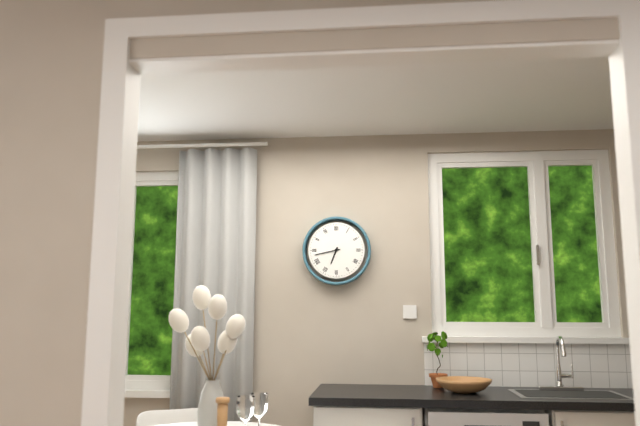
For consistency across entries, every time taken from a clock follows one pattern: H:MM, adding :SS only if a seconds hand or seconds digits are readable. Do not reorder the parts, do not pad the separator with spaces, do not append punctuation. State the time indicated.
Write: 6:43
